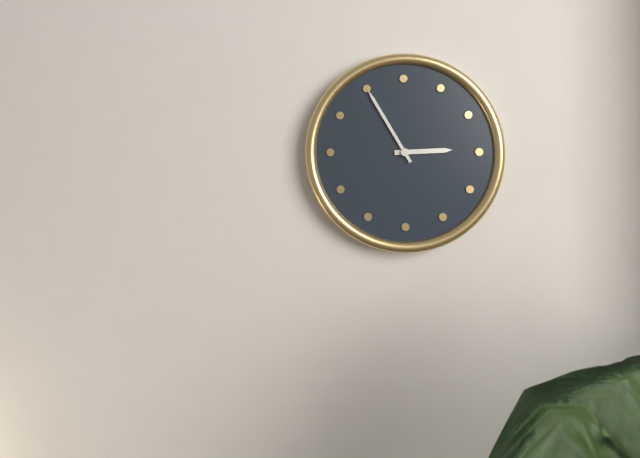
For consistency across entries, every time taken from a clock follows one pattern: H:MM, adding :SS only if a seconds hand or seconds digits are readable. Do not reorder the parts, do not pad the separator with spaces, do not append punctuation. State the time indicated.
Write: 2:55
